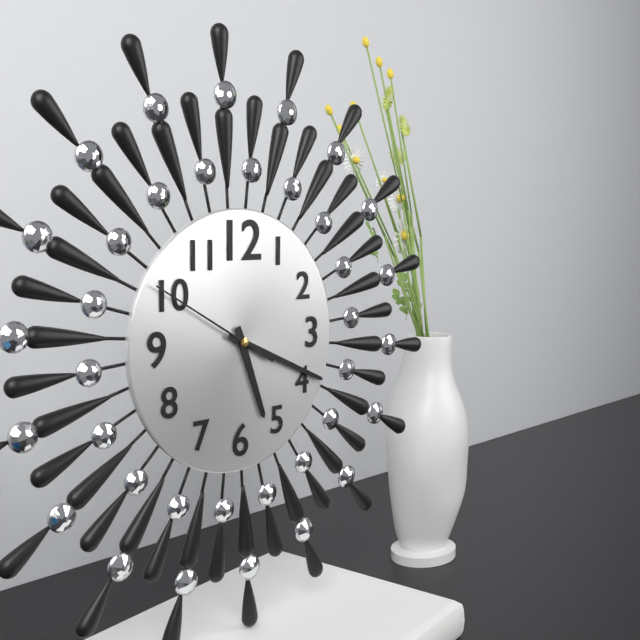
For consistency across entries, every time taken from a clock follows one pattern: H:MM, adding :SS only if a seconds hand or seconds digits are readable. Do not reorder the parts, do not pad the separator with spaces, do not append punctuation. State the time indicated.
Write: 5:19:50
